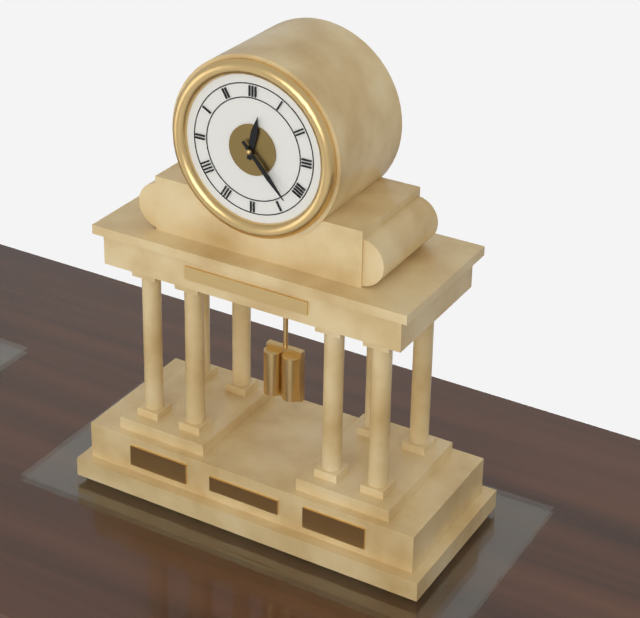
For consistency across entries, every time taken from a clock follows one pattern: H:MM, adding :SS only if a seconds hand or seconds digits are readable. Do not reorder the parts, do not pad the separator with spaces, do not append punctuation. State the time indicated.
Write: 12:23
